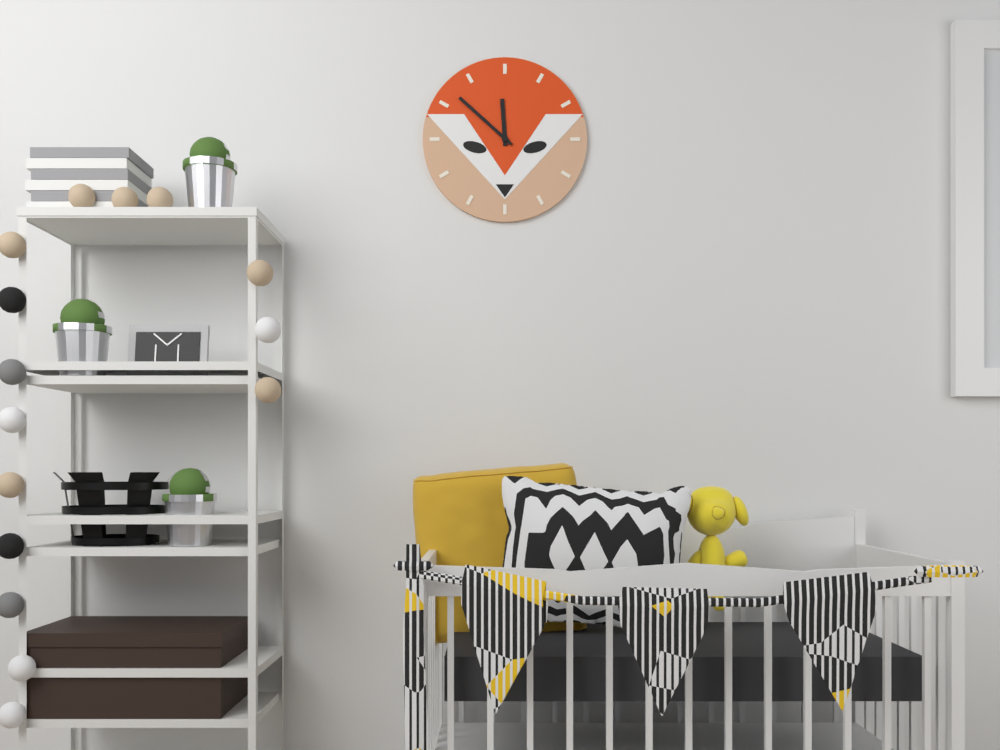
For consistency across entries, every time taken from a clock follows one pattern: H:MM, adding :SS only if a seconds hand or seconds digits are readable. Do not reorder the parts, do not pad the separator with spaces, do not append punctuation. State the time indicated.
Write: 11:52
